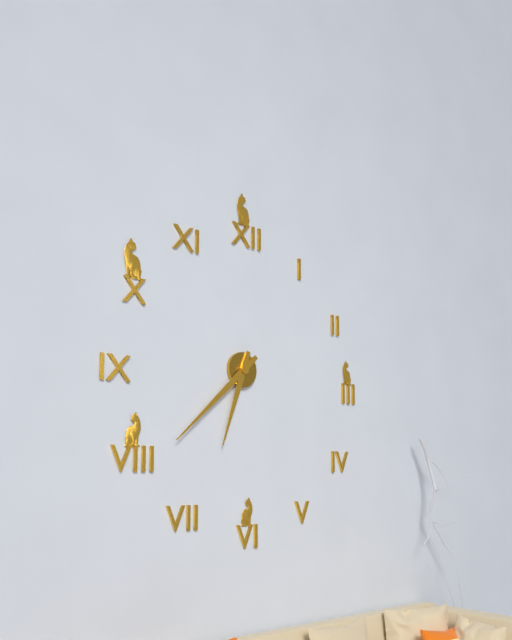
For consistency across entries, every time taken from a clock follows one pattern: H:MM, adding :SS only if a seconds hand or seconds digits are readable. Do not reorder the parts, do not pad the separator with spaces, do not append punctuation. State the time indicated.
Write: 6:38
